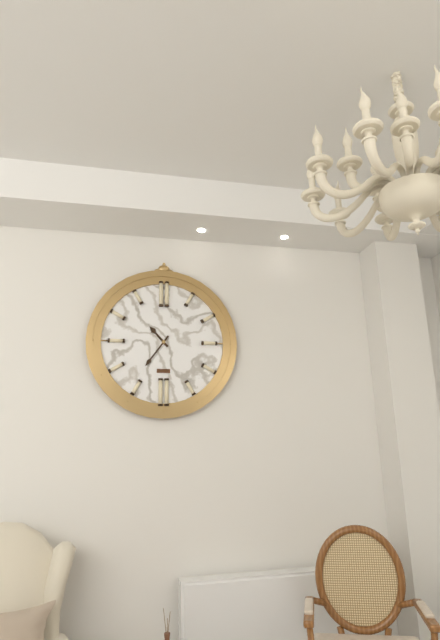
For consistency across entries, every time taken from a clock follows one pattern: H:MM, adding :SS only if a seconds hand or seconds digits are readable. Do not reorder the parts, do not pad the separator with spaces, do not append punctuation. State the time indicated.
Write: 10:36
